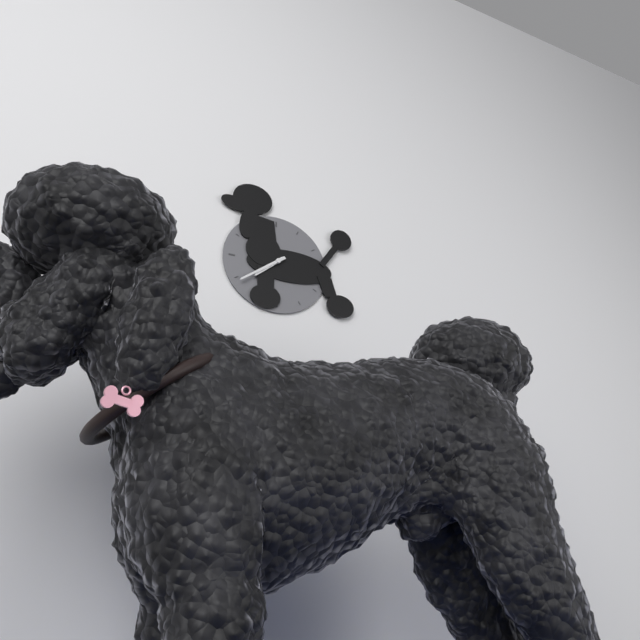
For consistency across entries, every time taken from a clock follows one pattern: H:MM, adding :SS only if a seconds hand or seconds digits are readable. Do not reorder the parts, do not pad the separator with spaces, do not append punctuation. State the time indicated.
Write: 7:39
